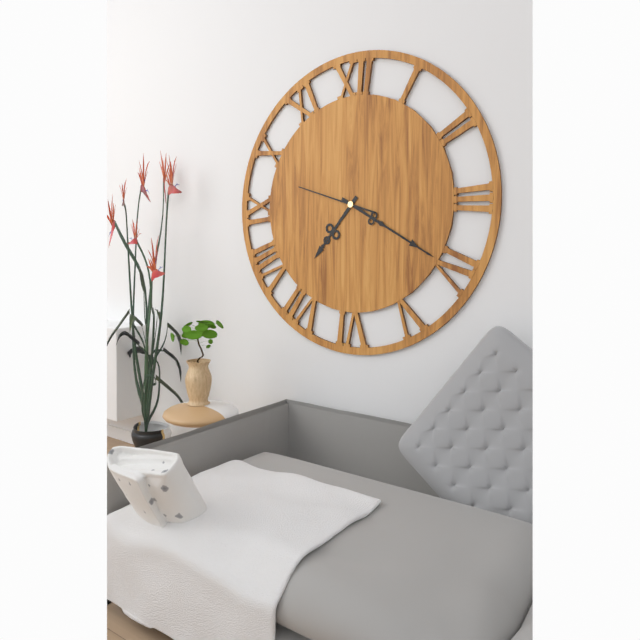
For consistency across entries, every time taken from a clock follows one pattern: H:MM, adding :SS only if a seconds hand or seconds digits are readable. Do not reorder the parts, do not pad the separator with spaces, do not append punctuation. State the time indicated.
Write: 7:20:48
